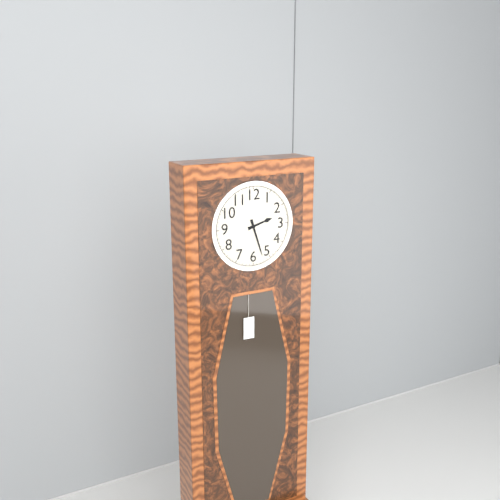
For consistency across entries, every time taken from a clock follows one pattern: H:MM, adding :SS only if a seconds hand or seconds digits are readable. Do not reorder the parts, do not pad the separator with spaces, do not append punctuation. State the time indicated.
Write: 2:27
